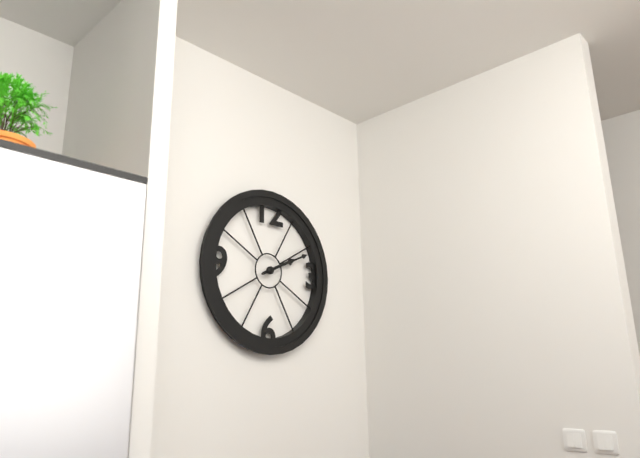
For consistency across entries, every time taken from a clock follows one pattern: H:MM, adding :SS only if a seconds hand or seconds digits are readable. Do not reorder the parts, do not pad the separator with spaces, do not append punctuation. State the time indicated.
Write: 2:11
